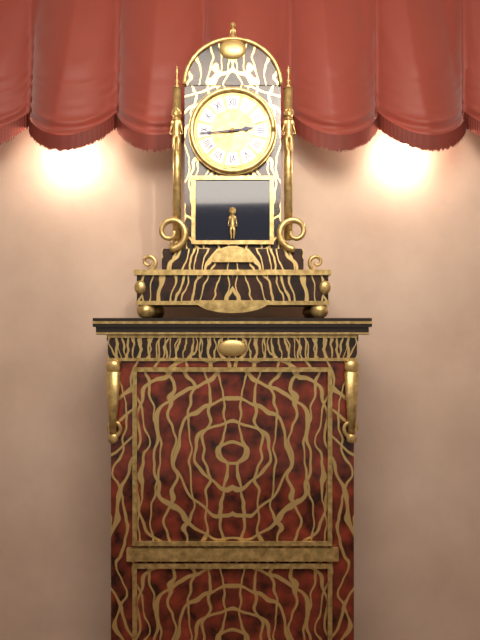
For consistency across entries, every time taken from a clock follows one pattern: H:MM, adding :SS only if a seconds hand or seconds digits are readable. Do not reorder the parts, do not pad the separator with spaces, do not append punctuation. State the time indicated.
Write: 2:44
